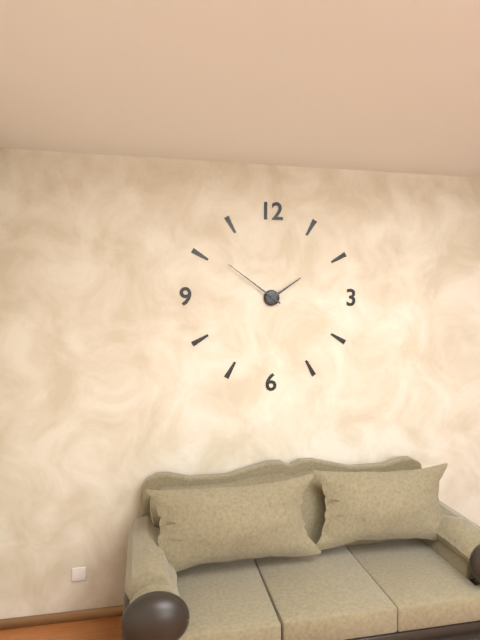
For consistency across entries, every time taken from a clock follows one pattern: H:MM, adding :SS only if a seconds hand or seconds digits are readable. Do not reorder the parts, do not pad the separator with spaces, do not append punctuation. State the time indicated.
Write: 1:51
